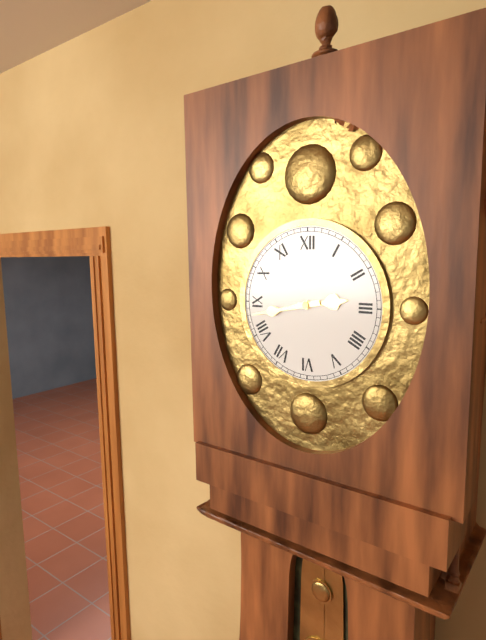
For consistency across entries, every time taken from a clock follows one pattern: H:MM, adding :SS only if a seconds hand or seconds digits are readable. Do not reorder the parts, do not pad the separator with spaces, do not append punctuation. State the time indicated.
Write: 2:43
